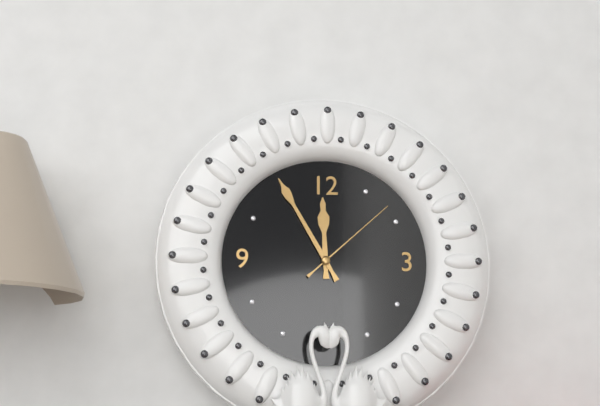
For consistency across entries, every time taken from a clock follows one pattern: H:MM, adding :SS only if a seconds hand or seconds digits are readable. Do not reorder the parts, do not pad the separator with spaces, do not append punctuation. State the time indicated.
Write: 11:55:08
